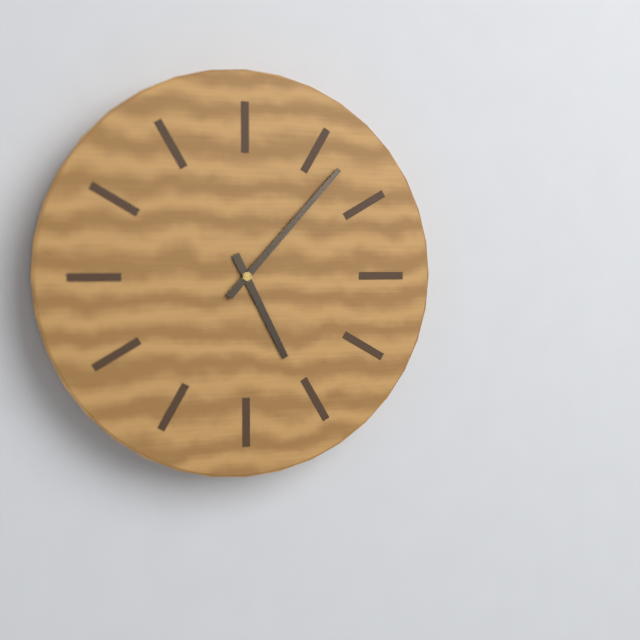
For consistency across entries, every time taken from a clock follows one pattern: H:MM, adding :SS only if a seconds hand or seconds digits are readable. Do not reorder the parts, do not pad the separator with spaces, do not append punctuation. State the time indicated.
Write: 5:07
